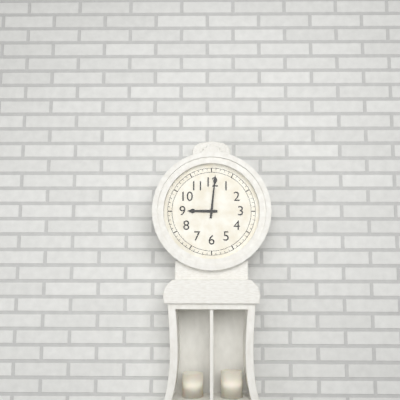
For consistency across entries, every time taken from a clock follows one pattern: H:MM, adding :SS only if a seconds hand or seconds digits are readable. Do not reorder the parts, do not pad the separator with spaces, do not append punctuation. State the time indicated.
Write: 9:01
